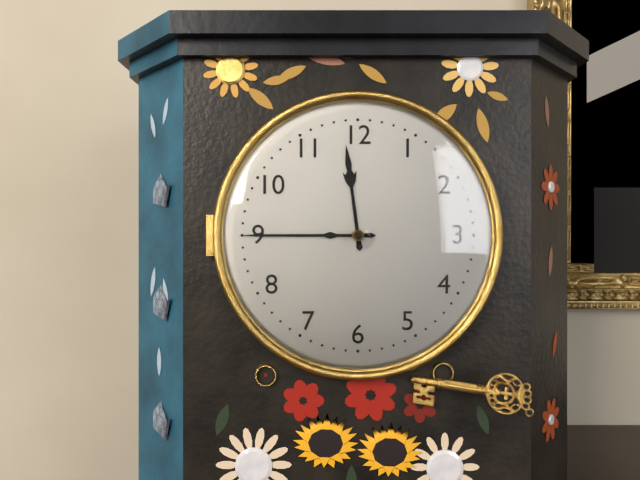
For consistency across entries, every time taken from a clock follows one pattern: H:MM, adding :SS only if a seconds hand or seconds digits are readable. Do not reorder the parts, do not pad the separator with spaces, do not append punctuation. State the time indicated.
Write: 11:45
